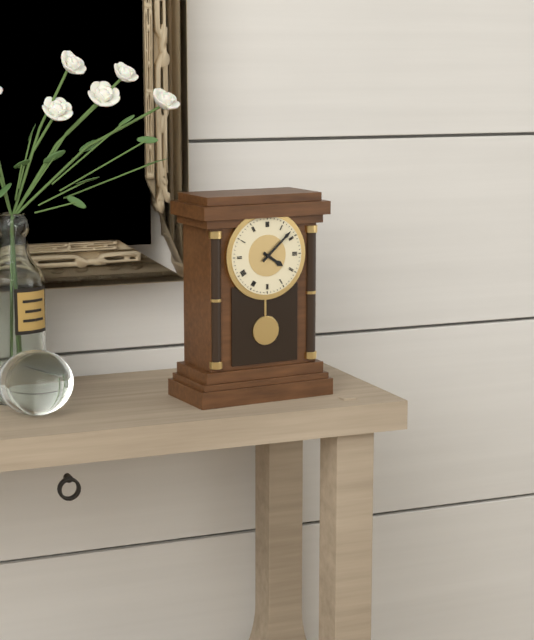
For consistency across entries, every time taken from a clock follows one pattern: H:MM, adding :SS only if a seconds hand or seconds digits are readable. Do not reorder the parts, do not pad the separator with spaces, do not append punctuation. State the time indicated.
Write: 4:08
